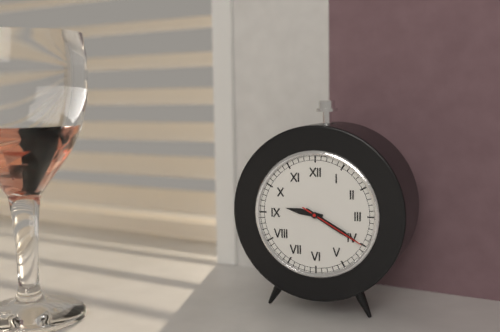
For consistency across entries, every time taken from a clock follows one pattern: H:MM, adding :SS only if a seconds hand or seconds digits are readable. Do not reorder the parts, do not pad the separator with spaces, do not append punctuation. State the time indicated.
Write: 9:20:20
